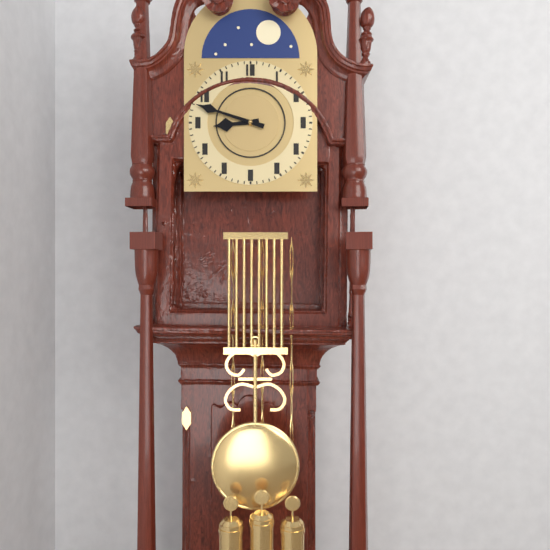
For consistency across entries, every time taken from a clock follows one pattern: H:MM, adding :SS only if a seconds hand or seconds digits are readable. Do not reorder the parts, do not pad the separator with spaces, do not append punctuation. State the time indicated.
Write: 8:48
